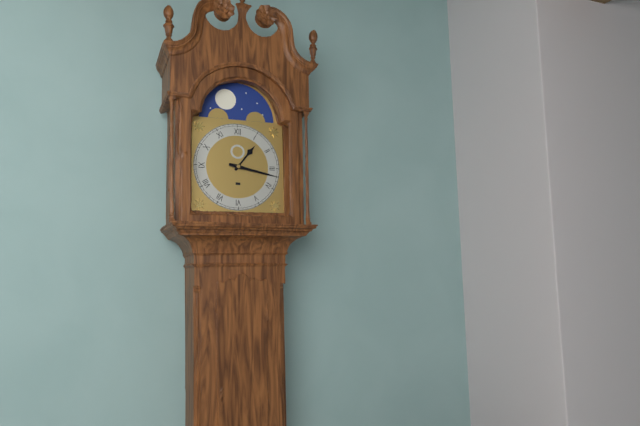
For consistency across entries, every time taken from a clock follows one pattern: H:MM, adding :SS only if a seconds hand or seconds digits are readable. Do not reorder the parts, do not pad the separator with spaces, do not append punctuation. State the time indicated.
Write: 1:17
